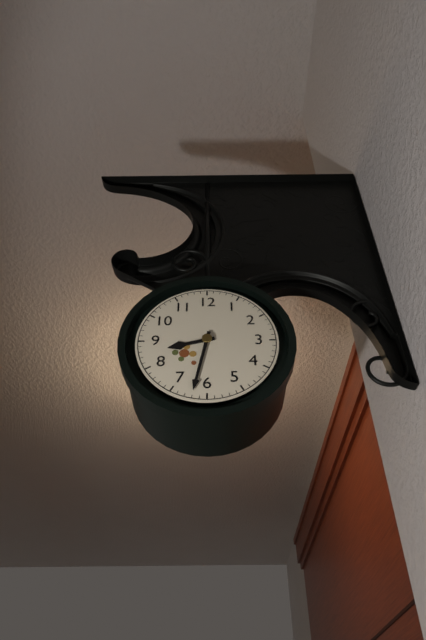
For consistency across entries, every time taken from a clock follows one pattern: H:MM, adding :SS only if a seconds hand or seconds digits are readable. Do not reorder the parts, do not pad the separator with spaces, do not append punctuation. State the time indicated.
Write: 8:32
